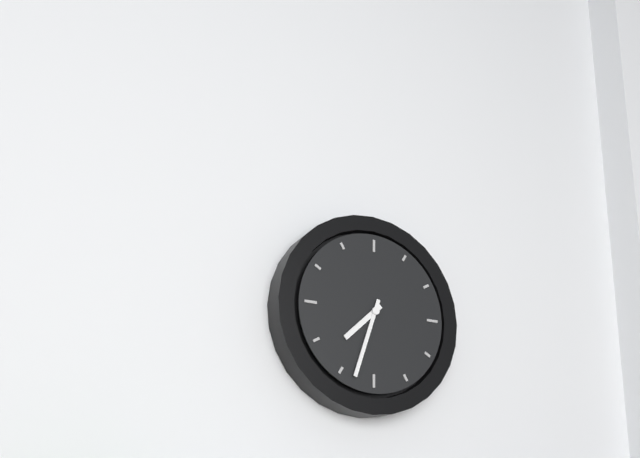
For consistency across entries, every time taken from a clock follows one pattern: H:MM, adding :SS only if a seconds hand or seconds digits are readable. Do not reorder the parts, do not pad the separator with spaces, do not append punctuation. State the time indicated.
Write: 7:33
